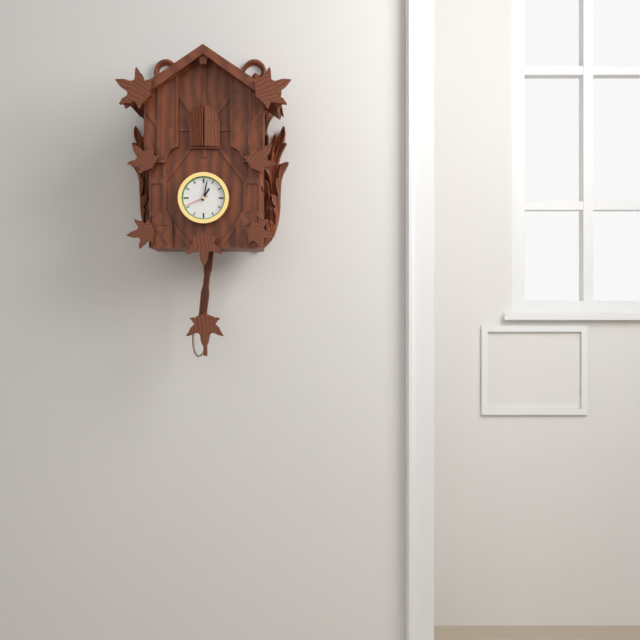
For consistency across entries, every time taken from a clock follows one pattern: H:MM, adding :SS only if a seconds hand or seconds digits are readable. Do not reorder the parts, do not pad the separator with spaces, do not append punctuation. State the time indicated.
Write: 1:02
